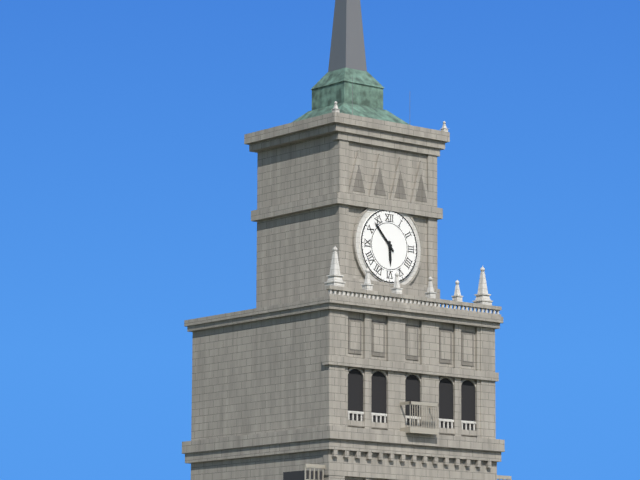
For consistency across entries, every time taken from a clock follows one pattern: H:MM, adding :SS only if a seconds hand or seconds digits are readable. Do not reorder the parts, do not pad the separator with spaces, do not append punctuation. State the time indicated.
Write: 5:53
